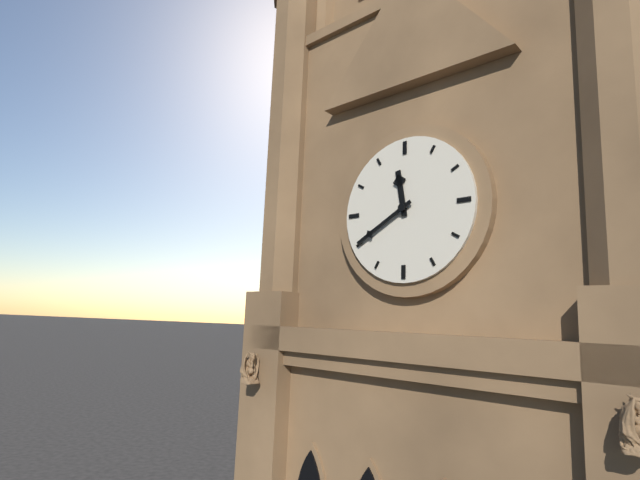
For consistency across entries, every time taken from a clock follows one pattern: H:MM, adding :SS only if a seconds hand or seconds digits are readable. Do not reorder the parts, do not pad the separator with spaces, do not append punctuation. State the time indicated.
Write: 11:40
